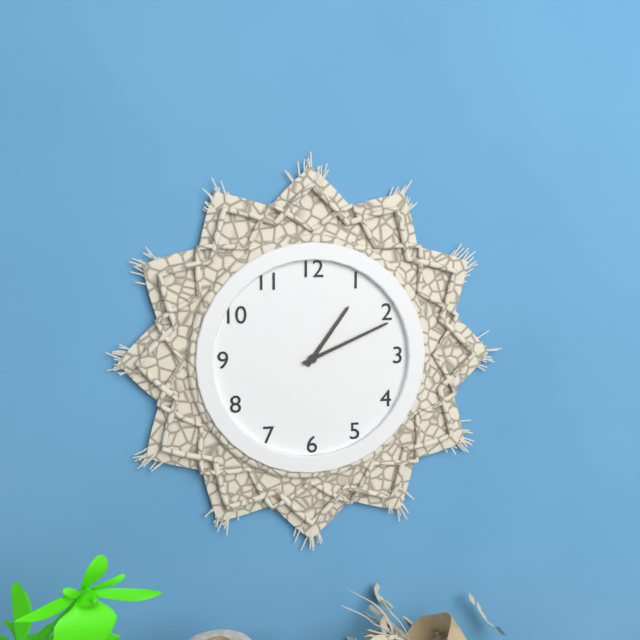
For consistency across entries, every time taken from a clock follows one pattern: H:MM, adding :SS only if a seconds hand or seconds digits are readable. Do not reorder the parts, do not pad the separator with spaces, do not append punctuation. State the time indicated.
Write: 1:11
